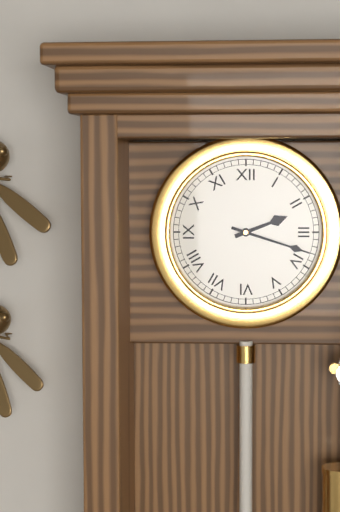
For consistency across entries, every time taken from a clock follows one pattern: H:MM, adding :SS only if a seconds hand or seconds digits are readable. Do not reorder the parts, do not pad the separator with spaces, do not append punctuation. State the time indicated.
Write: 2:18
